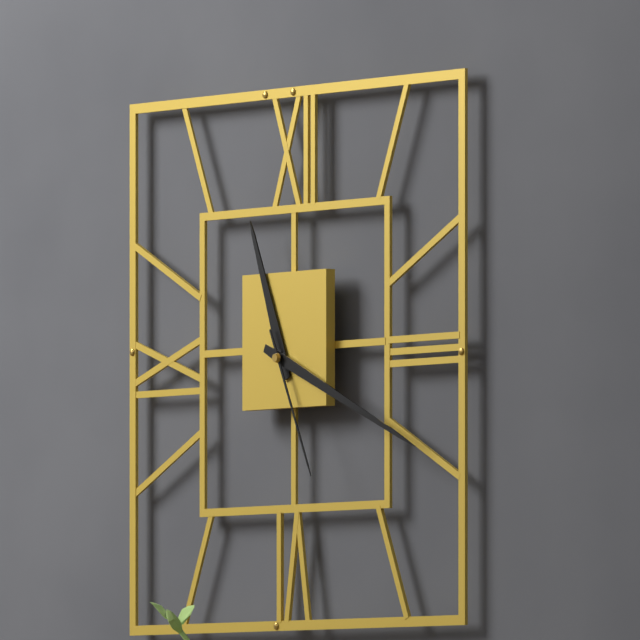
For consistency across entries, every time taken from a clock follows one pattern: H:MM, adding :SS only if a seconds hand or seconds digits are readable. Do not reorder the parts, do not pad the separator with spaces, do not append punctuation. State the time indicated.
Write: 11:19:26
